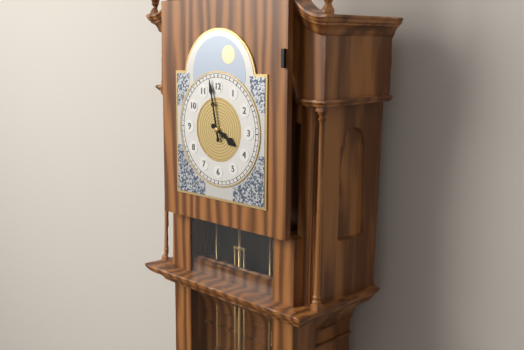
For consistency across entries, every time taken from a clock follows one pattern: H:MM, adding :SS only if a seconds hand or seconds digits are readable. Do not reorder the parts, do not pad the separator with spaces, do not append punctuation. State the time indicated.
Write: 3:58
